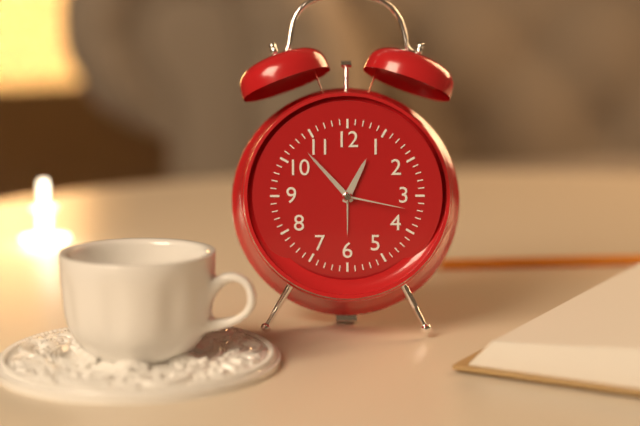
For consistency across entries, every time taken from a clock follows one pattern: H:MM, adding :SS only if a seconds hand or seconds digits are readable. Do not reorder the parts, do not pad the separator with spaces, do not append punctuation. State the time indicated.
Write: 12:53:17
